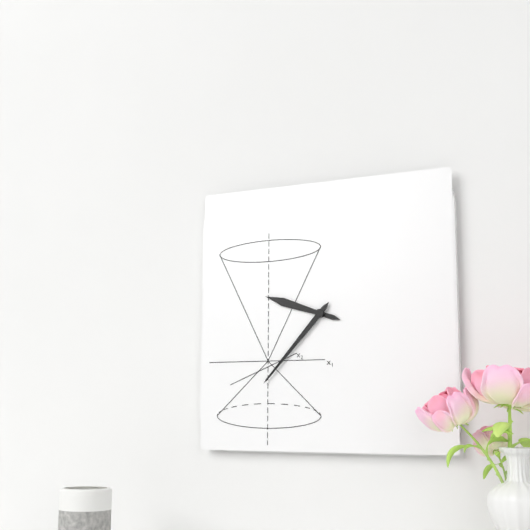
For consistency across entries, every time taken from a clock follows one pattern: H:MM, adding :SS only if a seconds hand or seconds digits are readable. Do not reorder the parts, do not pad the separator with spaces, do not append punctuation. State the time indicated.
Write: 9:37
